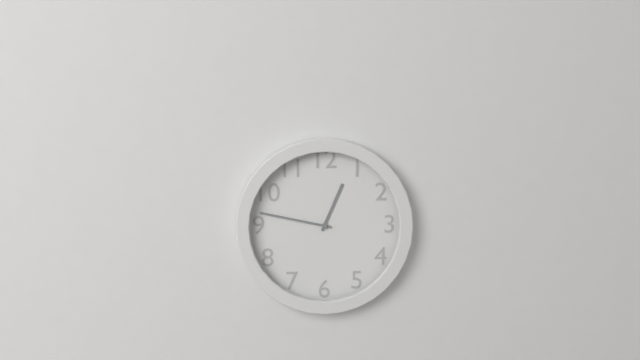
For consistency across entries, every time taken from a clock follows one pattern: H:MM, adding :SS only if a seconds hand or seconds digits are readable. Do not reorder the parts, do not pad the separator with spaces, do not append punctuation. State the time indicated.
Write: 12:47
